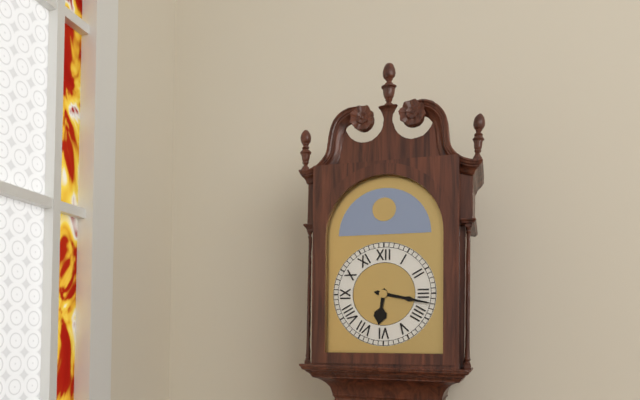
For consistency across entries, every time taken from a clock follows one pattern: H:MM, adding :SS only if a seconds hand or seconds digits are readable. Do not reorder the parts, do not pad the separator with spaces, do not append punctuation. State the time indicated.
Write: 6:17
